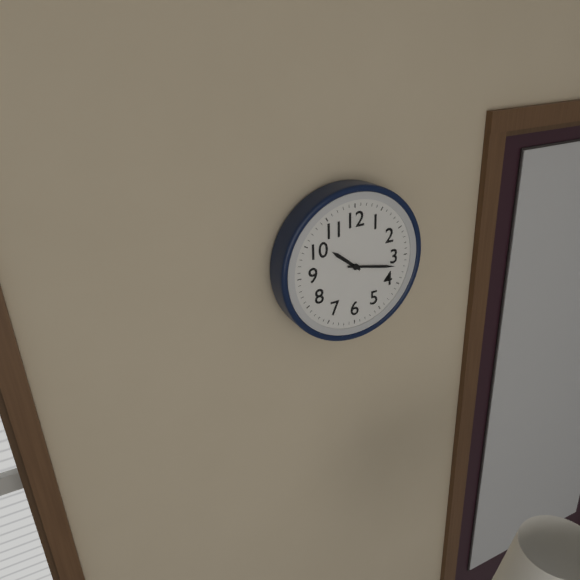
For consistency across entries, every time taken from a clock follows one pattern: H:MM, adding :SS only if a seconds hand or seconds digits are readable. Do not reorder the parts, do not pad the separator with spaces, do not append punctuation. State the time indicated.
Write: 10:17
